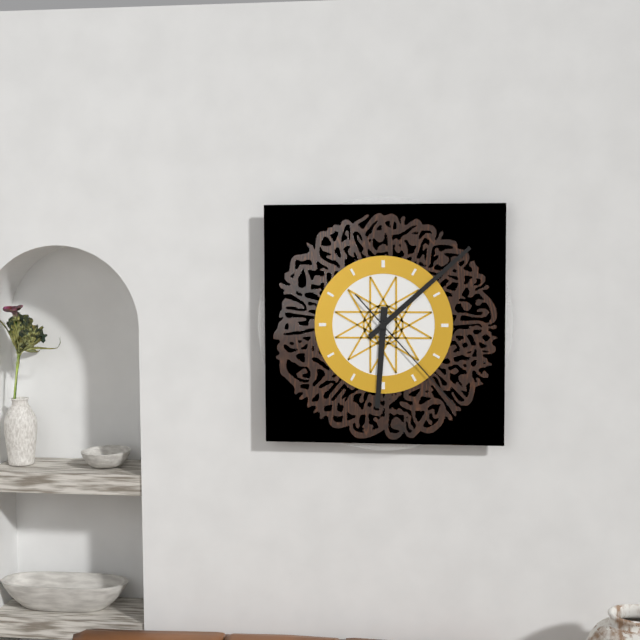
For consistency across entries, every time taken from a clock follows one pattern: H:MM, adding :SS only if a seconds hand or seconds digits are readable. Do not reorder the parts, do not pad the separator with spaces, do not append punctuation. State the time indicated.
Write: 6:08:23
